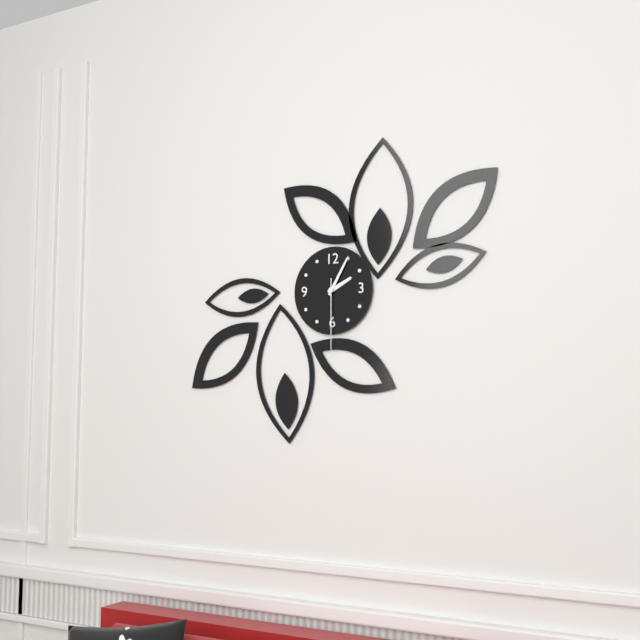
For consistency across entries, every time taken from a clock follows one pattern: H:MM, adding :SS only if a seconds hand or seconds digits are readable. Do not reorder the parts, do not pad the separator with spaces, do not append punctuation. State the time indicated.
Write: 2:05:30
